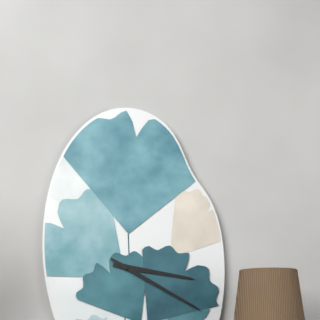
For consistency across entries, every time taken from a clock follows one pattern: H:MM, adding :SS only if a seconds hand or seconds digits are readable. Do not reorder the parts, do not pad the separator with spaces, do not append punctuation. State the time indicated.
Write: 3:20
